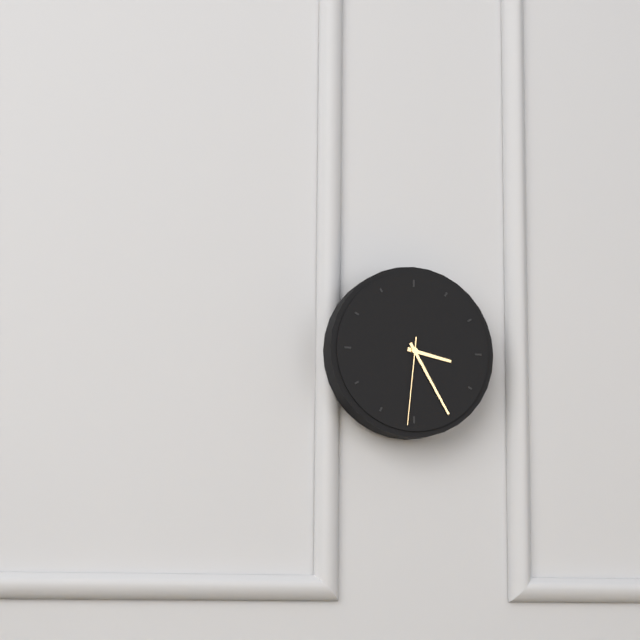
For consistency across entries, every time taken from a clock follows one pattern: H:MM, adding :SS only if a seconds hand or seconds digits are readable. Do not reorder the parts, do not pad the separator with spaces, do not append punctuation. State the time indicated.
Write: 3:25:31
